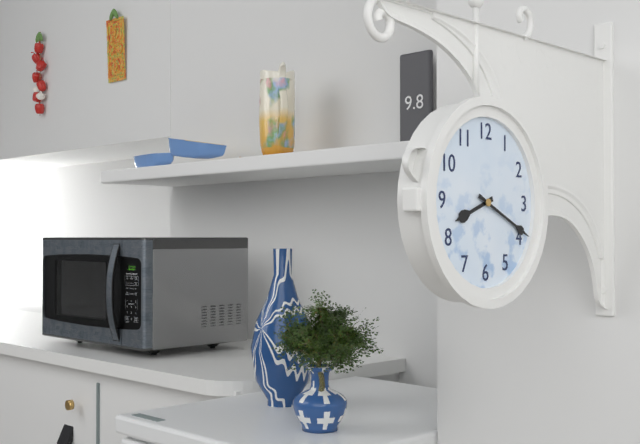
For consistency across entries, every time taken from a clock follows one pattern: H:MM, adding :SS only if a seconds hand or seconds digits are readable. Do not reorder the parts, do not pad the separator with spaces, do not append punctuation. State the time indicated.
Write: 8:19
